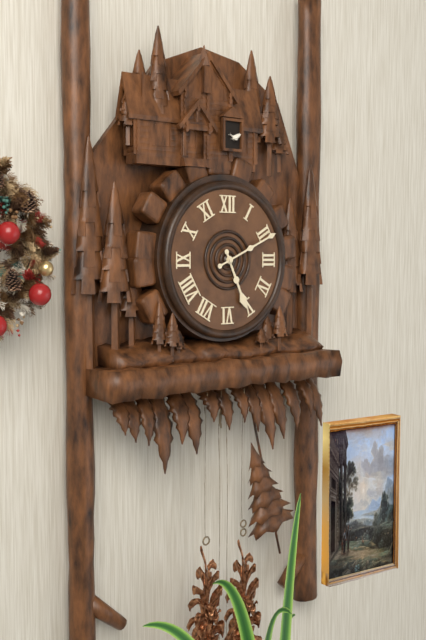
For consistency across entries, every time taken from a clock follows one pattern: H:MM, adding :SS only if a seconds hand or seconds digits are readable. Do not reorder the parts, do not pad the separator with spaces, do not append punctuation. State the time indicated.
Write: 5:11
